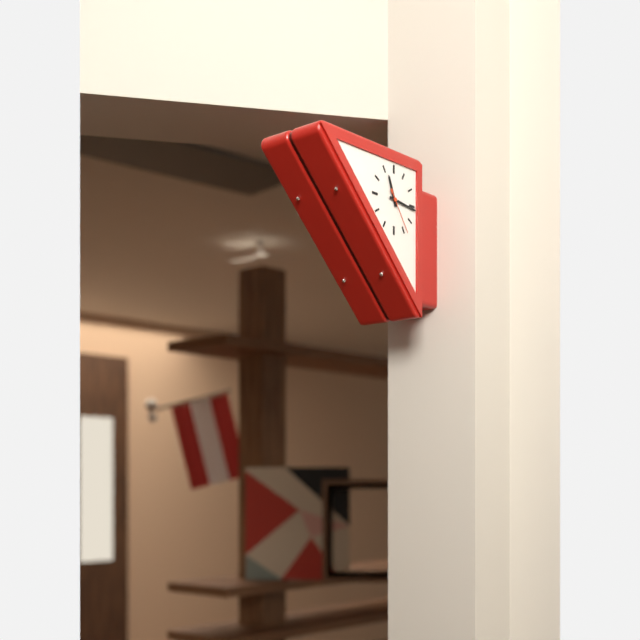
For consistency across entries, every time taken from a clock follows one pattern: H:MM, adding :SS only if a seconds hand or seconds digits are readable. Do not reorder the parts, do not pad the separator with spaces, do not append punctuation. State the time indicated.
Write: 11:16
